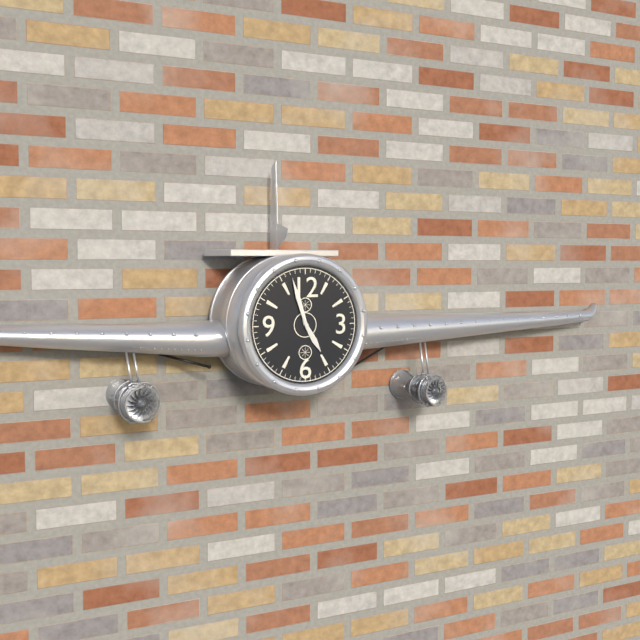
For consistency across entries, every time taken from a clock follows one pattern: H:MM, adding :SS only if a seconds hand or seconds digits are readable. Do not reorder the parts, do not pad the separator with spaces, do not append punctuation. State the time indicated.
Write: 4:57
